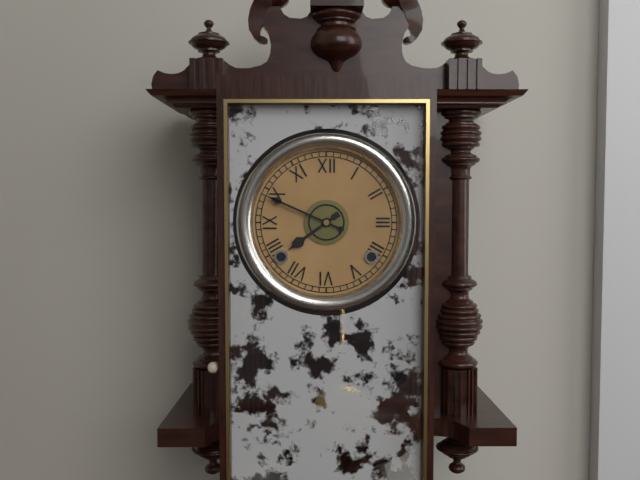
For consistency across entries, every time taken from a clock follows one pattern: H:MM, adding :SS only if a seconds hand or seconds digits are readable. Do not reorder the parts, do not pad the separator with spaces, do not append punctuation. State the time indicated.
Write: 7:49
